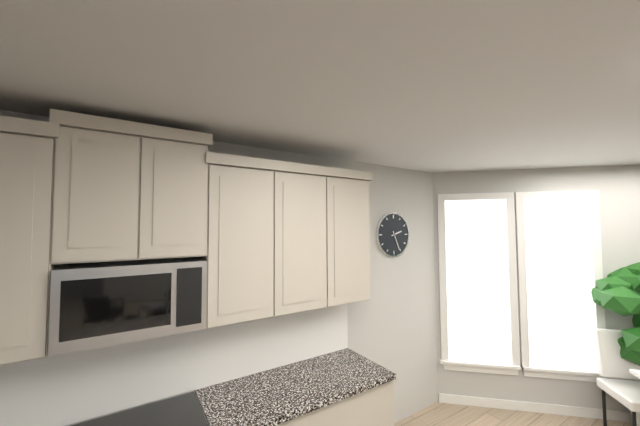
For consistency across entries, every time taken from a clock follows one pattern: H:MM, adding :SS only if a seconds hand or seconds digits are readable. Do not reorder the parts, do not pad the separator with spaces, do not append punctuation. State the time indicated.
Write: 2:26
